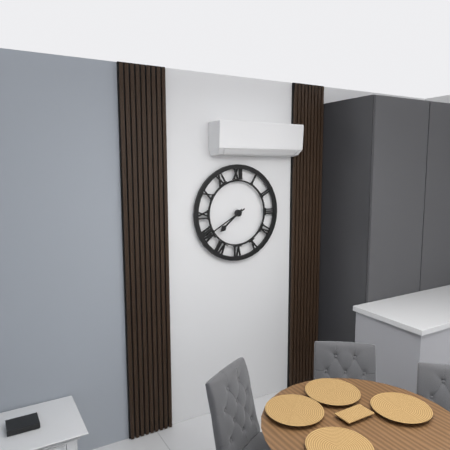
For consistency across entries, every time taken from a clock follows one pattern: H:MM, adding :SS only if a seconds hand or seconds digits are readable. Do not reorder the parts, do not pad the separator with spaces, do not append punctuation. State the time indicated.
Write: 7:40
